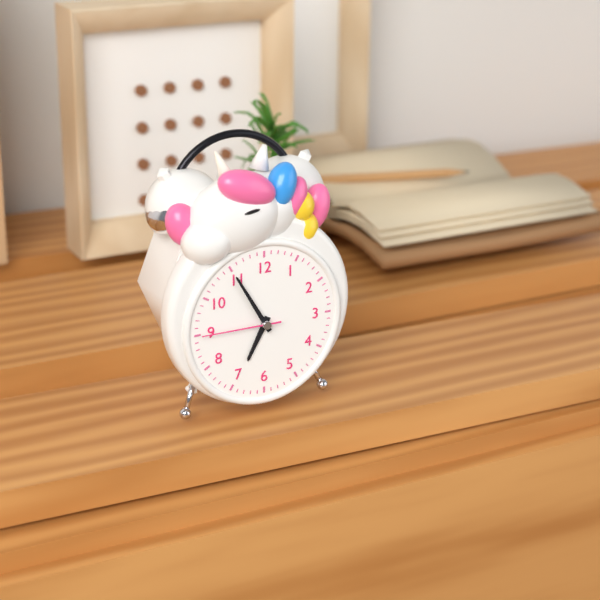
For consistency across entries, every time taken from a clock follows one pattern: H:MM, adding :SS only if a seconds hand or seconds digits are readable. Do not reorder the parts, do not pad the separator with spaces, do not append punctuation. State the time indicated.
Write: 6:55:45
